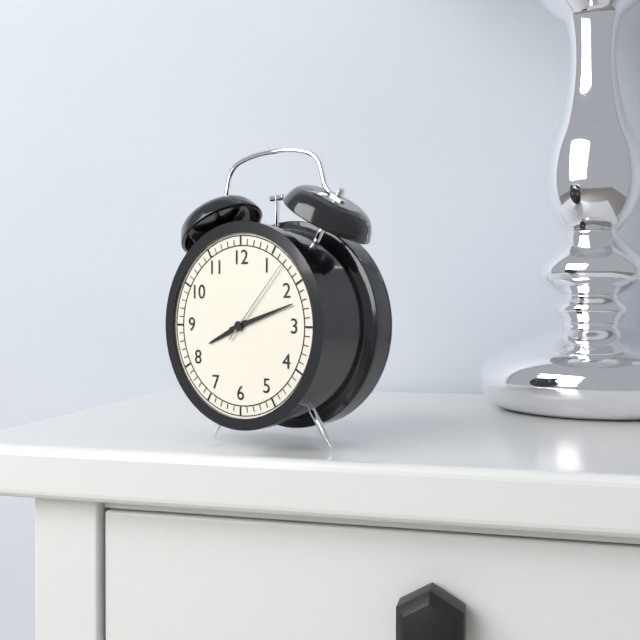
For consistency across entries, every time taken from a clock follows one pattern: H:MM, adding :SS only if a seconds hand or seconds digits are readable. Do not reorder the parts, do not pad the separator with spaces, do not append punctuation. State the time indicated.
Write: 8:12:07
